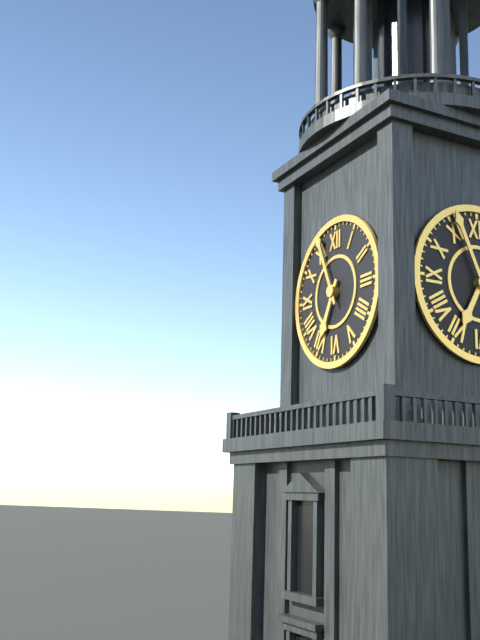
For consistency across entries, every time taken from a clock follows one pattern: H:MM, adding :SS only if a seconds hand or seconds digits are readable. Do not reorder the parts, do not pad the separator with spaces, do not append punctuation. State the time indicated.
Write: 6:56
